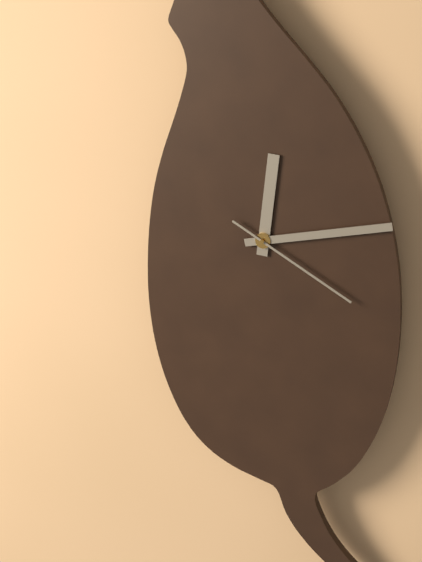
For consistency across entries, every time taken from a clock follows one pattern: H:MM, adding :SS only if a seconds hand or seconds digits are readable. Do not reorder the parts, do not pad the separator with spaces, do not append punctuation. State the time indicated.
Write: 12:13:20
